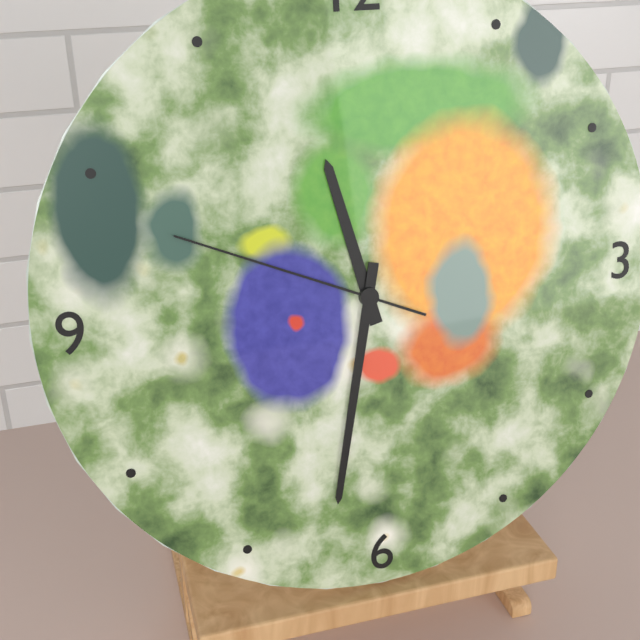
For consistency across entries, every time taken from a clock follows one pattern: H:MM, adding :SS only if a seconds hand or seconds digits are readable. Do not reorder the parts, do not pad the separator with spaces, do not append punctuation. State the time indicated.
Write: 11:32:49
